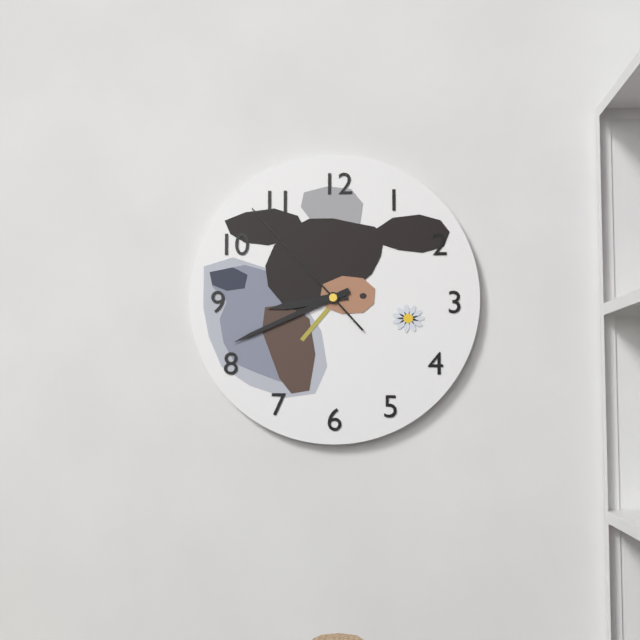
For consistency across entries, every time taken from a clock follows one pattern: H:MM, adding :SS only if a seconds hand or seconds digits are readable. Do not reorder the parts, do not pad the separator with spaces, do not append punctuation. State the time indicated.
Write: 8:41:53
